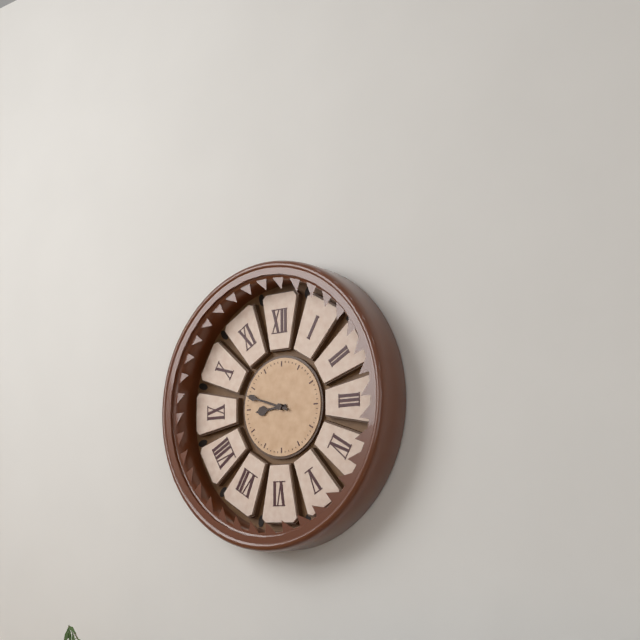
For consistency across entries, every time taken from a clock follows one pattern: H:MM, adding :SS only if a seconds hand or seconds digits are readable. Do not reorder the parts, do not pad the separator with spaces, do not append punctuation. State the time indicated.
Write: 8:48
